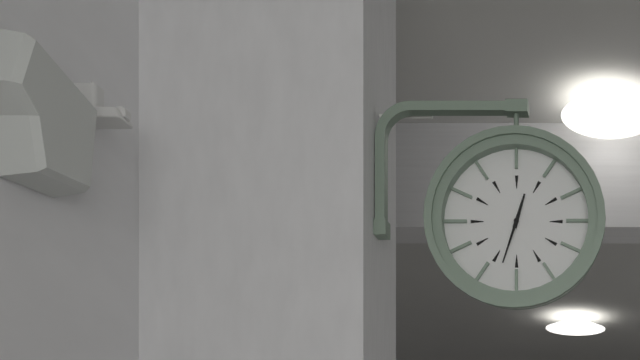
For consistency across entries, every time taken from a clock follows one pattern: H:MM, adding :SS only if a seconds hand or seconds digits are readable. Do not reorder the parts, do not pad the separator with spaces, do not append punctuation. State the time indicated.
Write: 12:33
